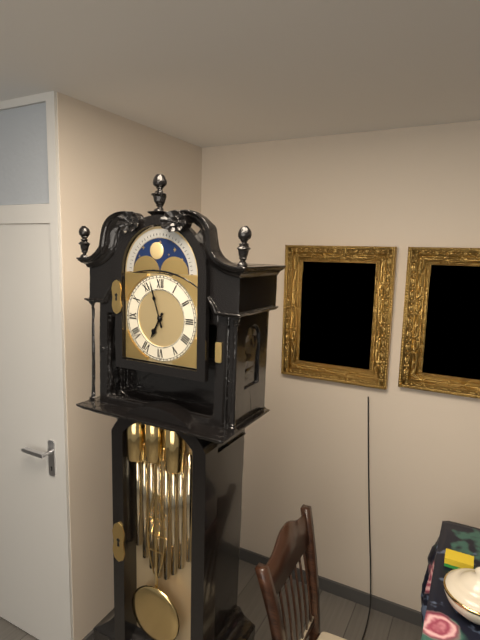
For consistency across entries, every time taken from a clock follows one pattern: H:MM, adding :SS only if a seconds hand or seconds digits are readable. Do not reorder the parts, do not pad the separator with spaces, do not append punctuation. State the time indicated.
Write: 6:57
